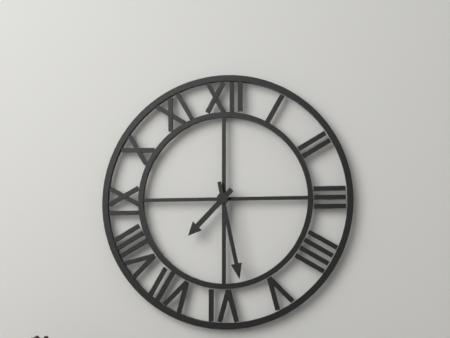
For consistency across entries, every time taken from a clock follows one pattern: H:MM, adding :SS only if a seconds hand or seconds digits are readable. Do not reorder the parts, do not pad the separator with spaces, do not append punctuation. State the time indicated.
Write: 7:28
